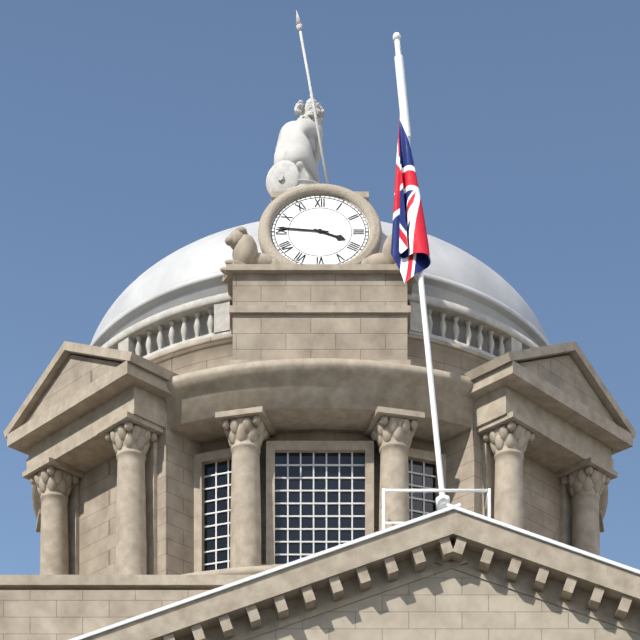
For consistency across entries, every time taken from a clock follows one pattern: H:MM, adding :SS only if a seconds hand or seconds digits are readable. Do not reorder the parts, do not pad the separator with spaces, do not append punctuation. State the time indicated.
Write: 3:46
